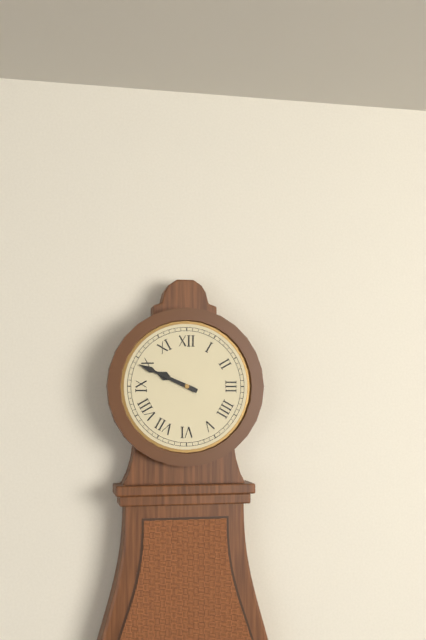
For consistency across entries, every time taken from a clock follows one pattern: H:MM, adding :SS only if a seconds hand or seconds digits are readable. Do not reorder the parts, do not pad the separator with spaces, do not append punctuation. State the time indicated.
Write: 9:49
